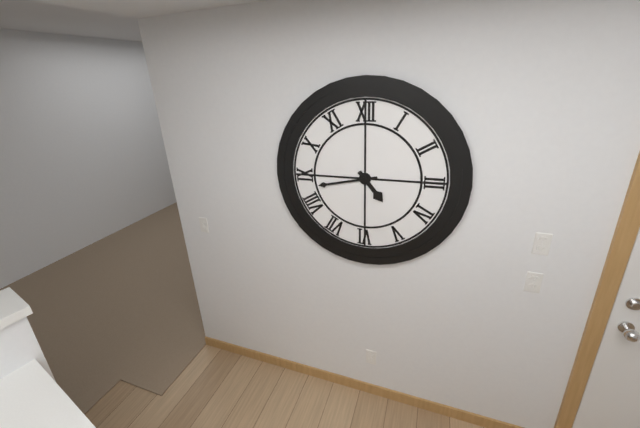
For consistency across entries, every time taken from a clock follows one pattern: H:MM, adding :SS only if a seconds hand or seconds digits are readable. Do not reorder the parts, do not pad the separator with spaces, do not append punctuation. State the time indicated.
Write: 4:43
